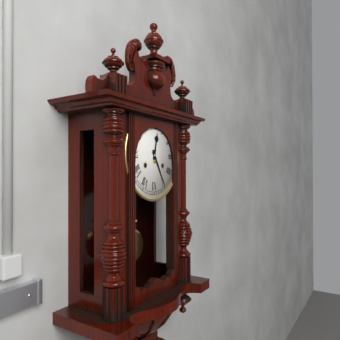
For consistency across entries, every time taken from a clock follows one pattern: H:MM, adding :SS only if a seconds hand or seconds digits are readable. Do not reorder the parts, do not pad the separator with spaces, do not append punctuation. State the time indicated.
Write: 12:25
